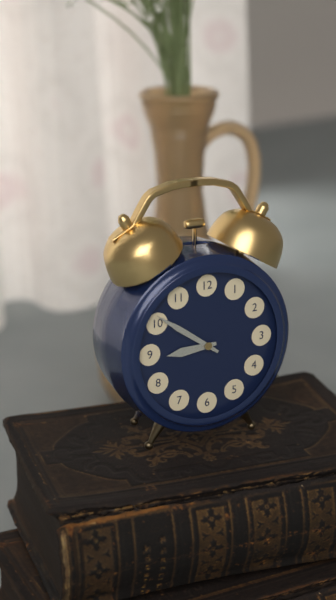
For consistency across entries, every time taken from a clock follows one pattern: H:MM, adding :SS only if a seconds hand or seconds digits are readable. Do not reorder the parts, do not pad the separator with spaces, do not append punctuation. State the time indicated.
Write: 8:51
